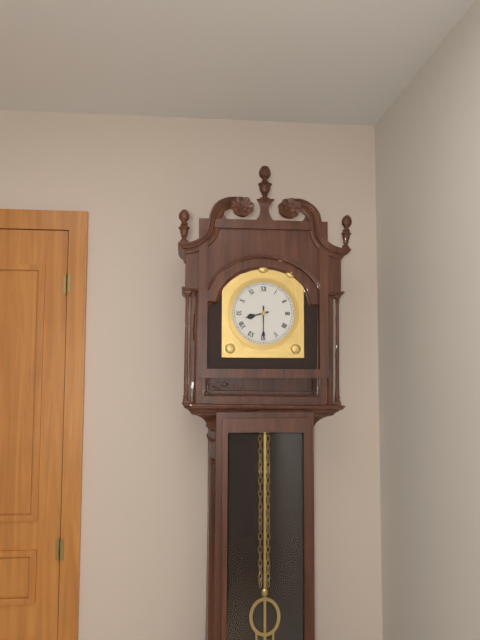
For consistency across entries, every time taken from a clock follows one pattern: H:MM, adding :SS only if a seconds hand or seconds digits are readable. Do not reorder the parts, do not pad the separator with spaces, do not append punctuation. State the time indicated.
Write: 8:30
